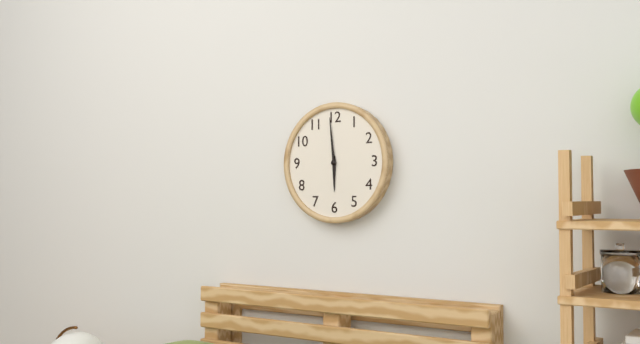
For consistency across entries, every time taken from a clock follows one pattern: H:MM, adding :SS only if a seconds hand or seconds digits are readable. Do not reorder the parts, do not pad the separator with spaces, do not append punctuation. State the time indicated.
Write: 5:59
